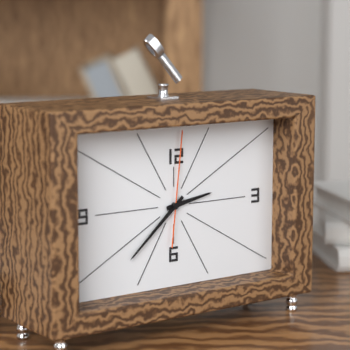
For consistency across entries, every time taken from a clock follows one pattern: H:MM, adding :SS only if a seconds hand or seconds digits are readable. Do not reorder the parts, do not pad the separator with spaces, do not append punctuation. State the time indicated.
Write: 2:38:01
